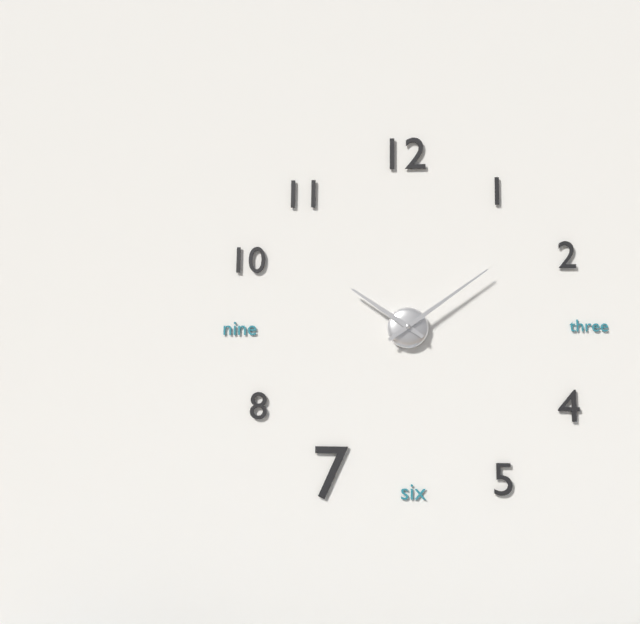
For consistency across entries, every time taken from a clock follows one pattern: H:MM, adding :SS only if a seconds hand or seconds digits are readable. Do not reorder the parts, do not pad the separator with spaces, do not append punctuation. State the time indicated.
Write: 10:09
